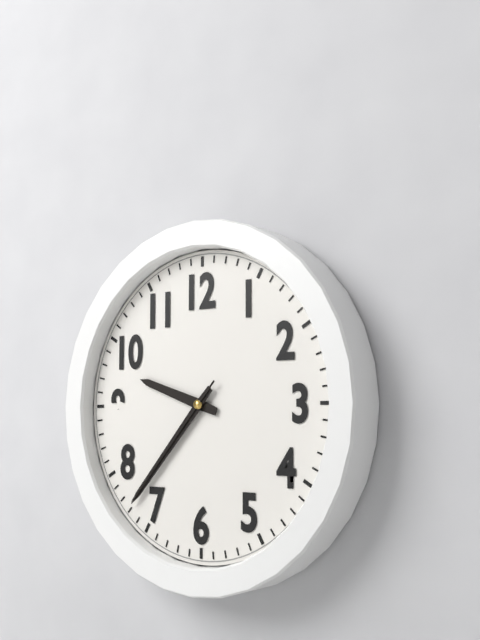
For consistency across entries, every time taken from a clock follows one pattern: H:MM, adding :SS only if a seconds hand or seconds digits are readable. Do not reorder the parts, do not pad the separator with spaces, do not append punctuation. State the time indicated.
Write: 9:37:37
